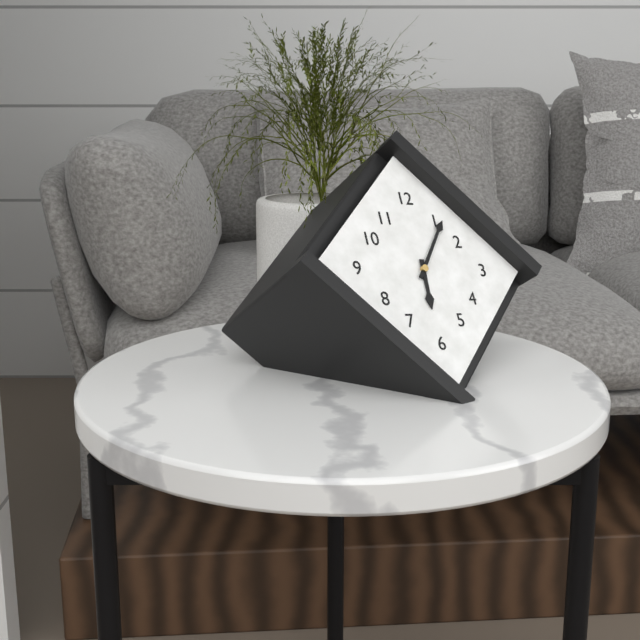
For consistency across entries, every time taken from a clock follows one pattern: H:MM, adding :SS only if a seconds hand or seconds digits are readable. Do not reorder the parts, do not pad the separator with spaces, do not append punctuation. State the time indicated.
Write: 6:06
